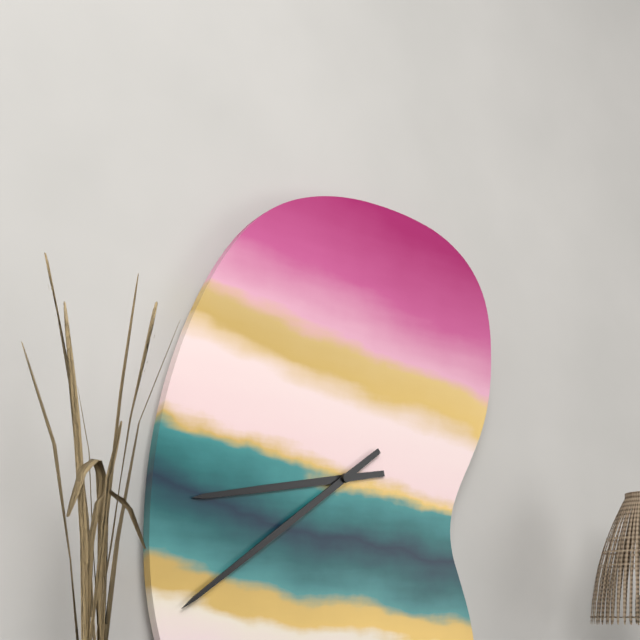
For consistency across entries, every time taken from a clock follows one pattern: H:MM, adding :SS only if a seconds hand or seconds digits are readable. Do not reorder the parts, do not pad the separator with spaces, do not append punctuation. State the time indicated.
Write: 8:39
